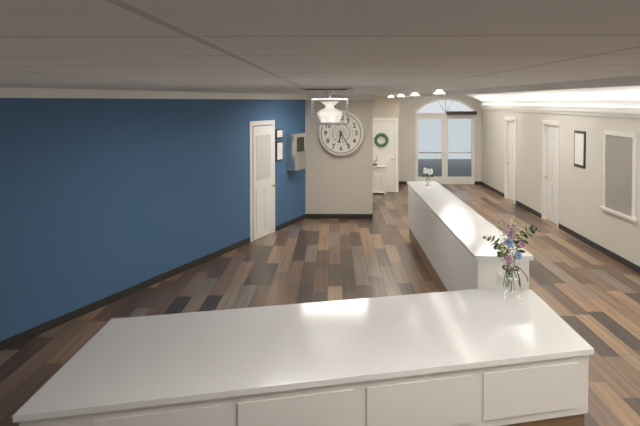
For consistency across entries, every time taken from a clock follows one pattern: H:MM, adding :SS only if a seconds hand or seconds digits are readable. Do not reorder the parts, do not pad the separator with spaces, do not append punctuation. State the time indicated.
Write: 6:25
